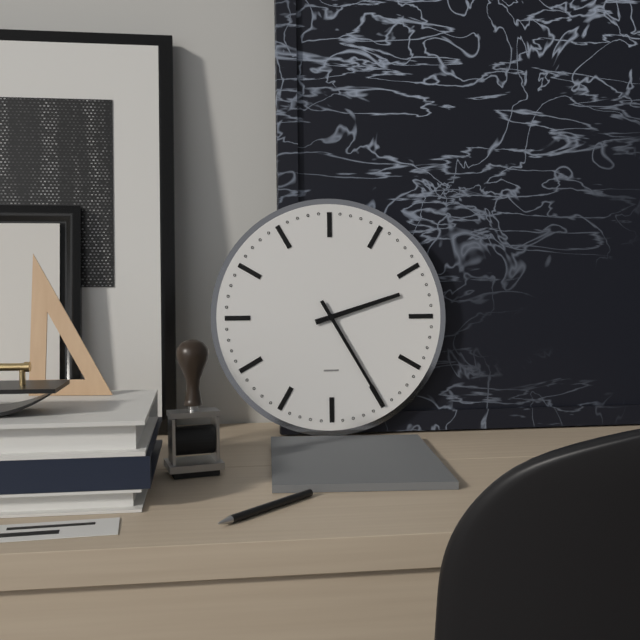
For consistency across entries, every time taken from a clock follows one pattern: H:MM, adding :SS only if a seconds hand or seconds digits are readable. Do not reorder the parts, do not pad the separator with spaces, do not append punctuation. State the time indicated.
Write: 2:25
